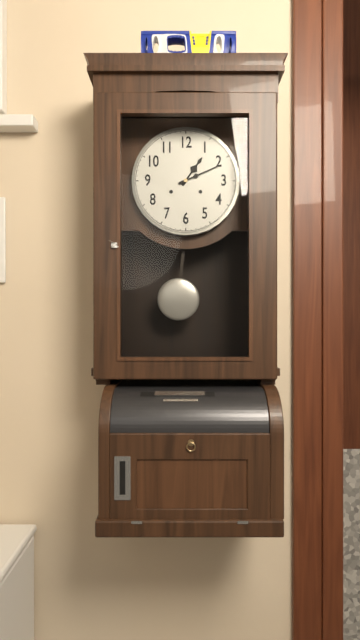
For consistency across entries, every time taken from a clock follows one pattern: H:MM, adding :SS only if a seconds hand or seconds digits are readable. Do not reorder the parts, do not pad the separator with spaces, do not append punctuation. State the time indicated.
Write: 1:11
